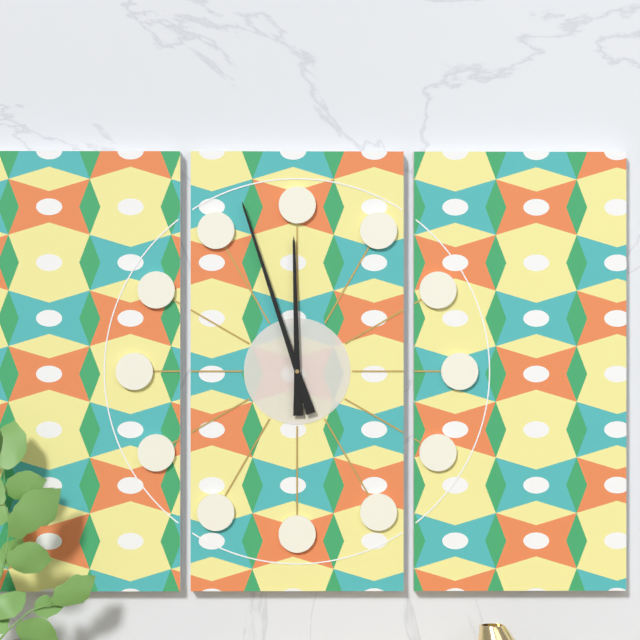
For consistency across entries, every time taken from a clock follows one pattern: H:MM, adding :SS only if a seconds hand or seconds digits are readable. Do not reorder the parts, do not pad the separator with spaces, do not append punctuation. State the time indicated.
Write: 11:57
